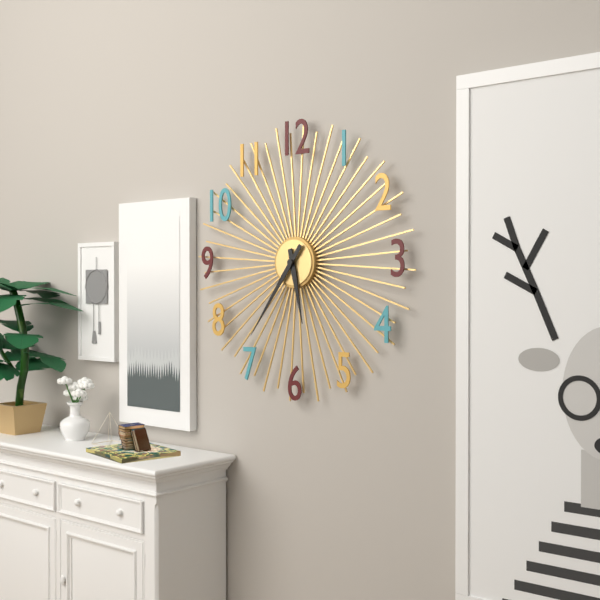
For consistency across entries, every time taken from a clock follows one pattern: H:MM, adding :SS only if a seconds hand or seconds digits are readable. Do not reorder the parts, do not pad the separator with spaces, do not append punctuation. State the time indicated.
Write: 5:36
